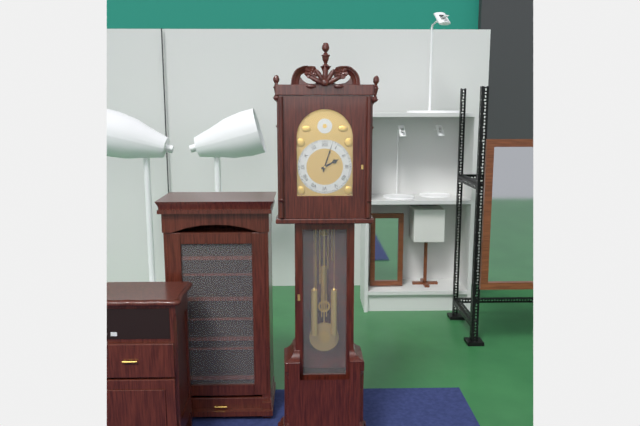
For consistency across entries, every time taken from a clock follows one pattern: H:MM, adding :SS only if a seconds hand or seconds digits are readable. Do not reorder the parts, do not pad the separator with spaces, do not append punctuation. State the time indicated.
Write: 2:03
